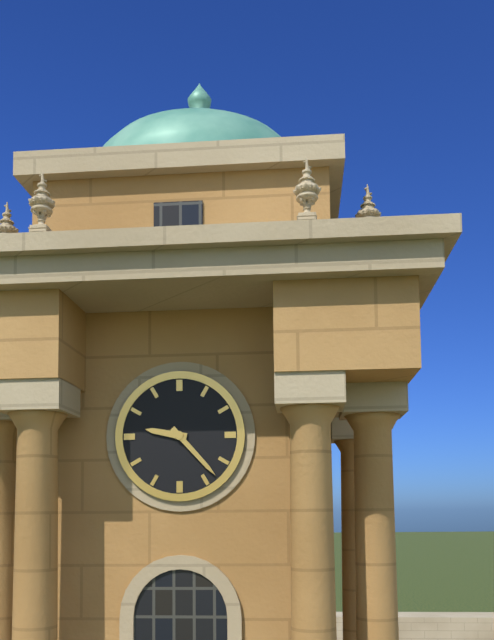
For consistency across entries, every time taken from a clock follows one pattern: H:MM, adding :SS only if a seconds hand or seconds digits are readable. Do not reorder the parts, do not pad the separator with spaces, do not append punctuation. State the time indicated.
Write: 9:23
